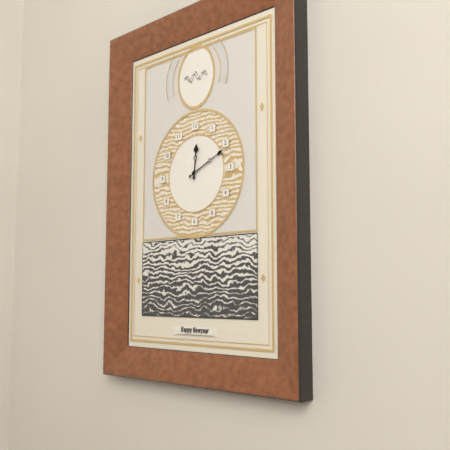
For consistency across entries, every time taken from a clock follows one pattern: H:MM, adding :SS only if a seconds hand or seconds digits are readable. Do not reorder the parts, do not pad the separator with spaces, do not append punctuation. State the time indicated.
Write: 12:11
